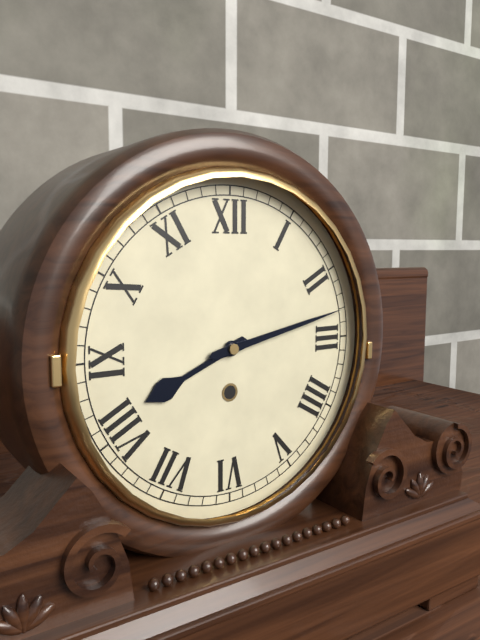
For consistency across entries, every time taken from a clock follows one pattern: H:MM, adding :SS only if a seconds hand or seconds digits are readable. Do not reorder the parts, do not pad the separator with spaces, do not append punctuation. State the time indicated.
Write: 8:13
